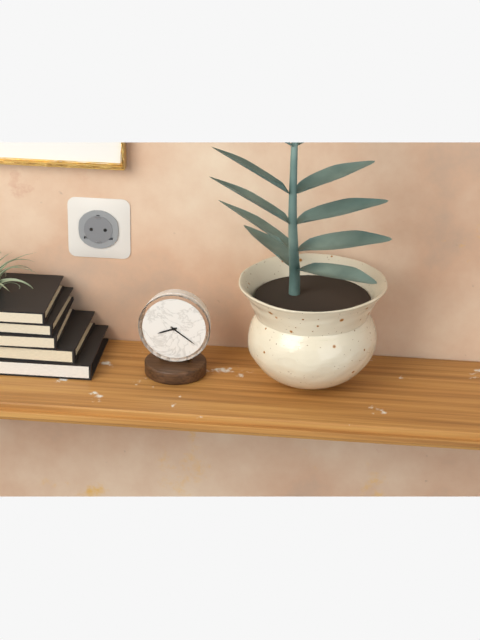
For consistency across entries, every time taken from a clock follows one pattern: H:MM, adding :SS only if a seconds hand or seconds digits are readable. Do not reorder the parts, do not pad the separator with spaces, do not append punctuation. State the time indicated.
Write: 8:21
